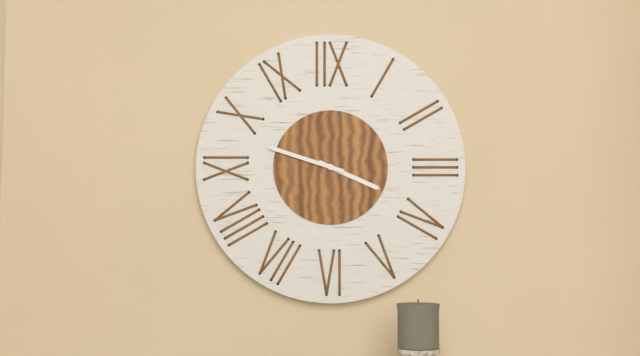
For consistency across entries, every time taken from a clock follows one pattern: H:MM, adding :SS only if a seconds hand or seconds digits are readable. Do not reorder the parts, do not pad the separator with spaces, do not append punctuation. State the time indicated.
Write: 3:48
